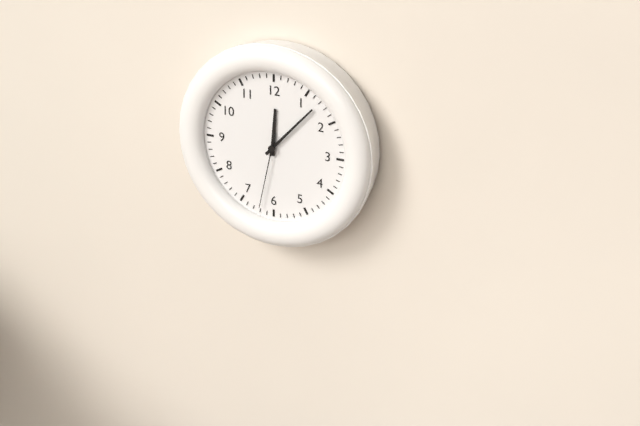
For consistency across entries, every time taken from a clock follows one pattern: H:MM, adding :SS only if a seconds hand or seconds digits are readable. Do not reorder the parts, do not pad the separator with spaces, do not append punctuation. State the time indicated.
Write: 12:07:32
